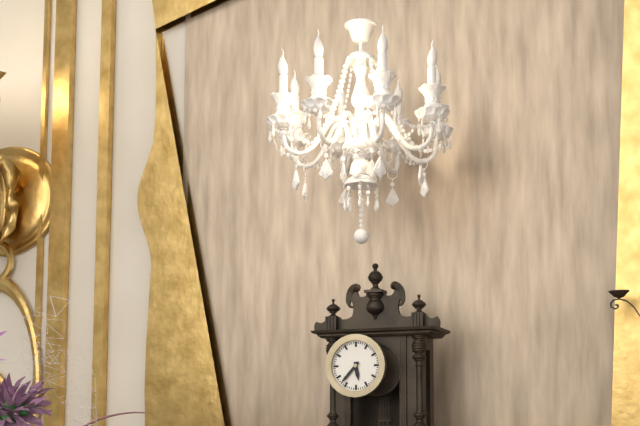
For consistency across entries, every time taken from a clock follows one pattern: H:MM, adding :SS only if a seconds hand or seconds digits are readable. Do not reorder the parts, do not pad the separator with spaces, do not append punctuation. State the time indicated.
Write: 5:37
